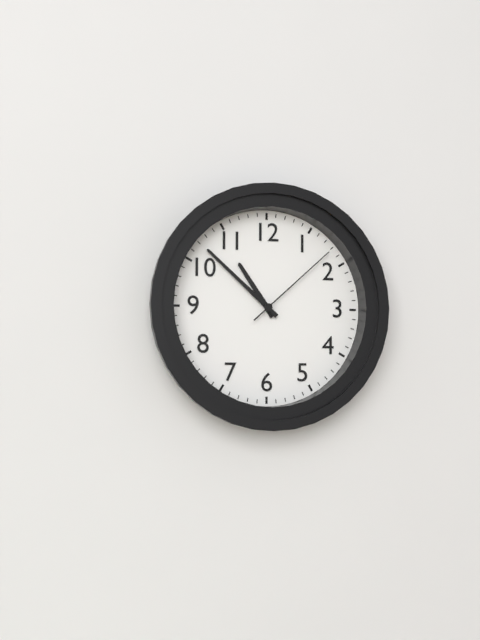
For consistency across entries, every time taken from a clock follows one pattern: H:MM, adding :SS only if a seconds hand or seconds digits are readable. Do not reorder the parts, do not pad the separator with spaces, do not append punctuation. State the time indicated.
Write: 10:52:08
